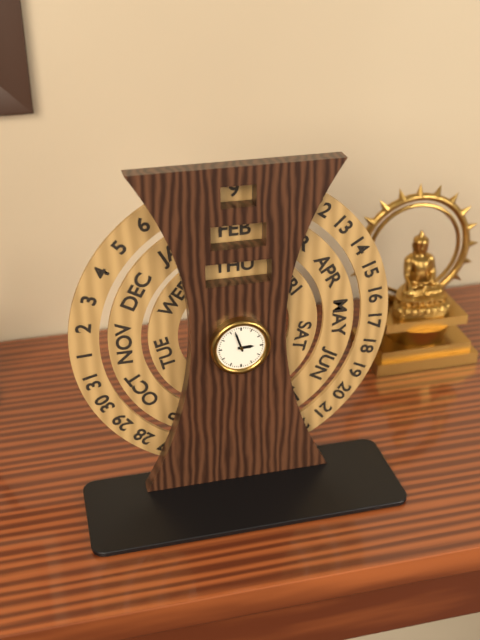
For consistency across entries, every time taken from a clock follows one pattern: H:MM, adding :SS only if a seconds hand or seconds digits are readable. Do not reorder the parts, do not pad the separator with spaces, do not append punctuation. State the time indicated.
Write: 2:57
